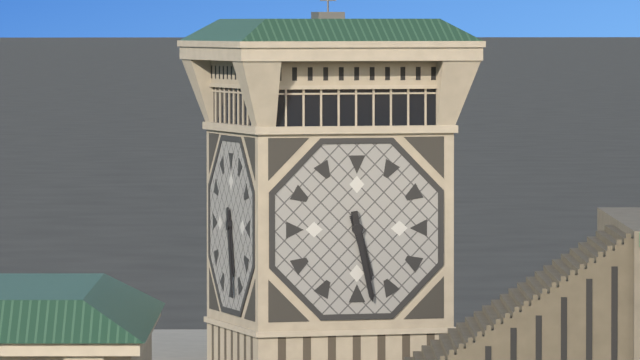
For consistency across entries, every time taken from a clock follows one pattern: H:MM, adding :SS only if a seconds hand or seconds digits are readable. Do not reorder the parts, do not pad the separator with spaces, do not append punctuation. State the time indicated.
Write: 5:28
